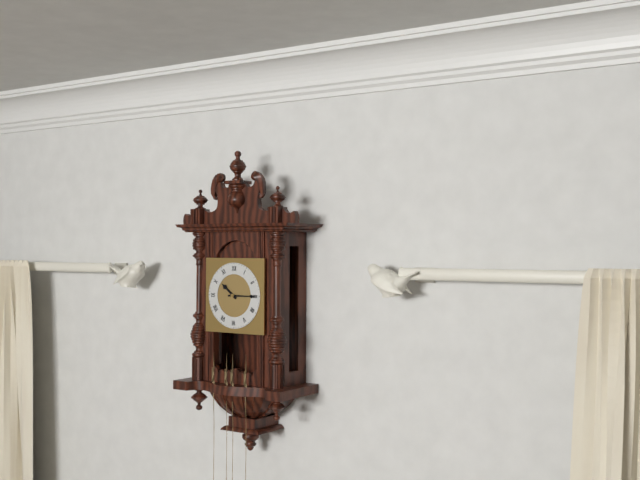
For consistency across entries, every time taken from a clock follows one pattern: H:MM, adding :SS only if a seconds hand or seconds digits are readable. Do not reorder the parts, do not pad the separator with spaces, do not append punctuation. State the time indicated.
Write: 10:15
